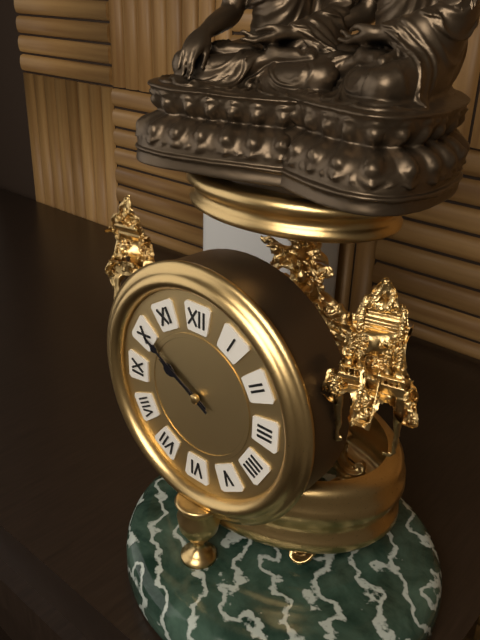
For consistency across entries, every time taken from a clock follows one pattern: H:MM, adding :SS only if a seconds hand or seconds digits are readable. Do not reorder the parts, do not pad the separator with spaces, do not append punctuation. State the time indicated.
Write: 9:50
